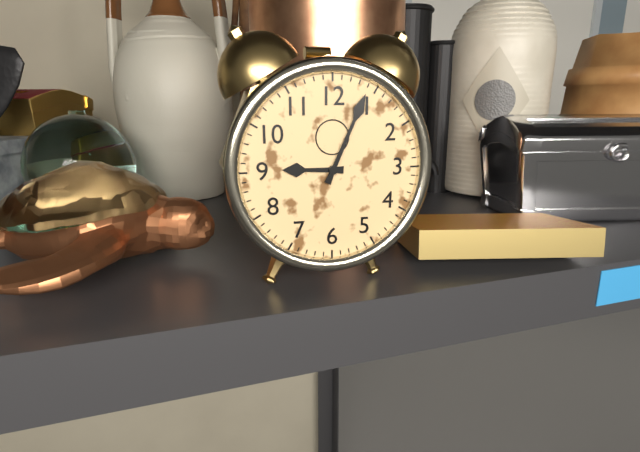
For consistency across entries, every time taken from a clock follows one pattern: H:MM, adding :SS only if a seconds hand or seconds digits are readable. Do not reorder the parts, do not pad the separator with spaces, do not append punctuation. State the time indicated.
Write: 9:04
